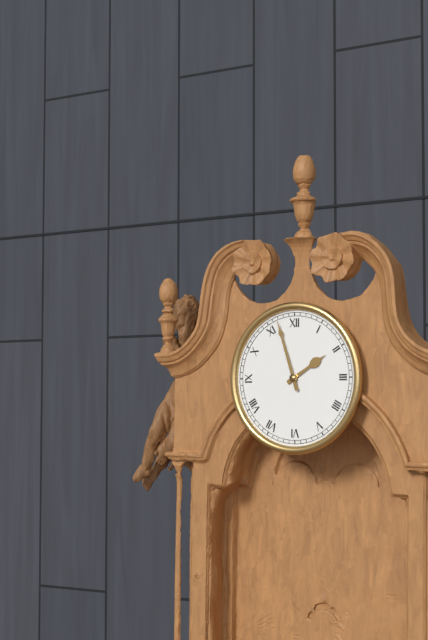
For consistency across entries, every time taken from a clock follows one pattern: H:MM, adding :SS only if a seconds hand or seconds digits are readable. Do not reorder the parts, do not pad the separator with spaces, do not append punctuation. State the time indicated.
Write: 1:57
